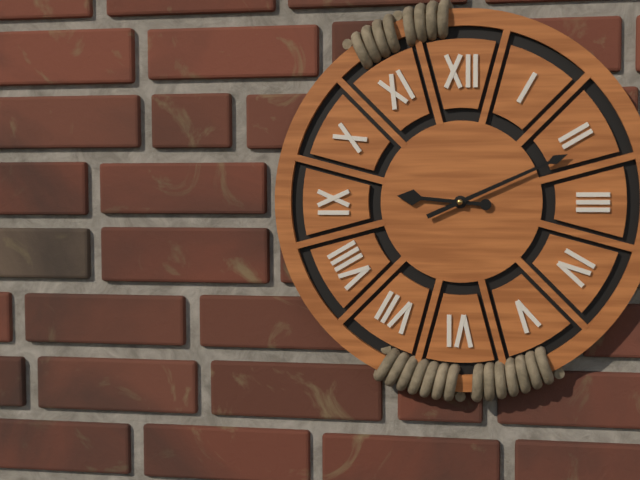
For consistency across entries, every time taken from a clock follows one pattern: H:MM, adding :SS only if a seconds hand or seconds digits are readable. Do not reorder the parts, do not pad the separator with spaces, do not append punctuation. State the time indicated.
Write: 9:11
